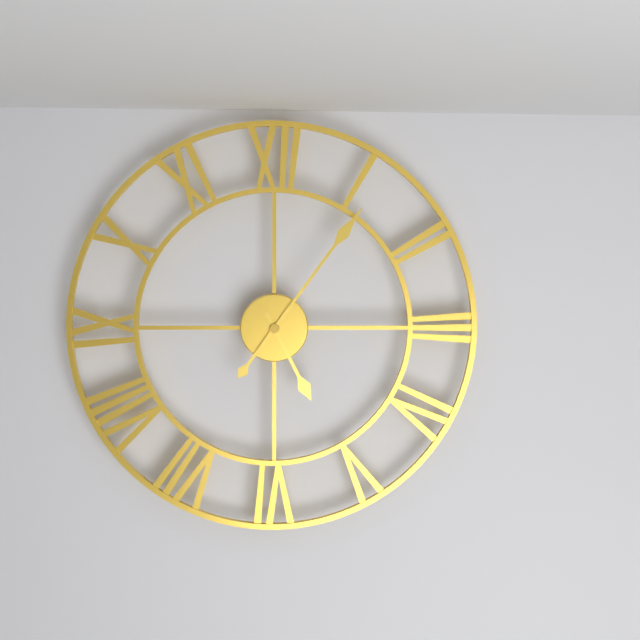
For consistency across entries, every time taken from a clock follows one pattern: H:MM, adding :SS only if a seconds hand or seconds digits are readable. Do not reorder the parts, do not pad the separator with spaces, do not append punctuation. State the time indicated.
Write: 5:06
